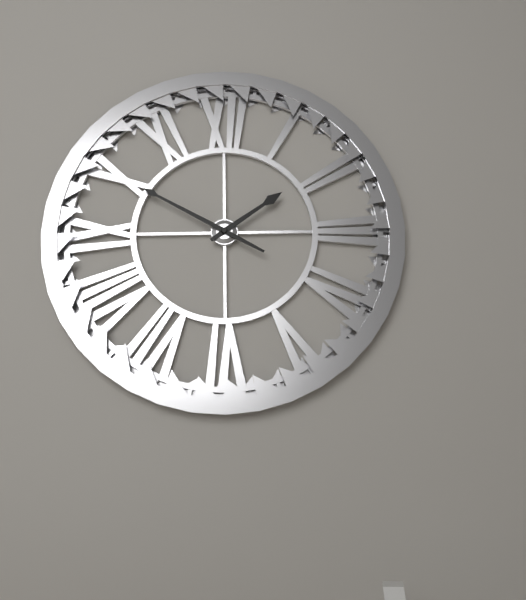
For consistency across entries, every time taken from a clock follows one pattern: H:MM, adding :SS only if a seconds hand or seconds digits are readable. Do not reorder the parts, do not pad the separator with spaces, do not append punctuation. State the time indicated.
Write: 1:50
